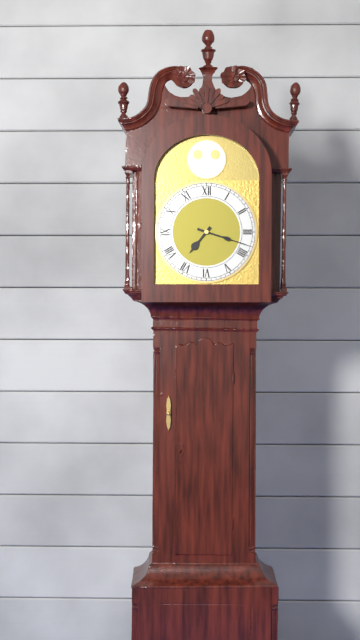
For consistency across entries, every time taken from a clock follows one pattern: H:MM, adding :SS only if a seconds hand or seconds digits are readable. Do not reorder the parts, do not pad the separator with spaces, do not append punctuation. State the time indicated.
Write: 7:18
